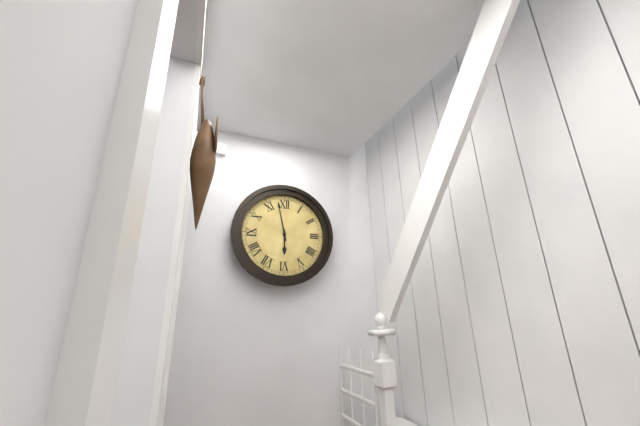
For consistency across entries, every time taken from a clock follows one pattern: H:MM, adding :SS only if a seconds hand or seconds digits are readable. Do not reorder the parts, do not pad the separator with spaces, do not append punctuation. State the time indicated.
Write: 5:58
